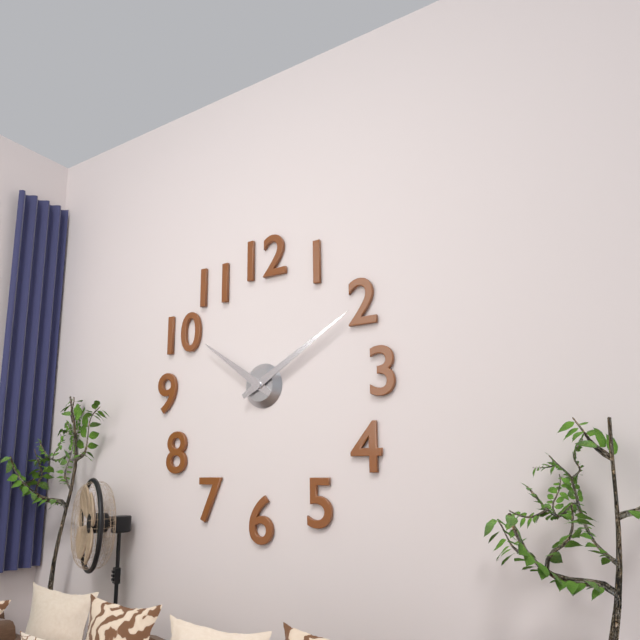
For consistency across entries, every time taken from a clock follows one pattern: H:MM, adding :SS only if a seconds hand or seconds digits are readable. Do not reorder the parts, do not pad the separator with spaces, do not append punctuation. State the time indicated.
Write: 10:10
